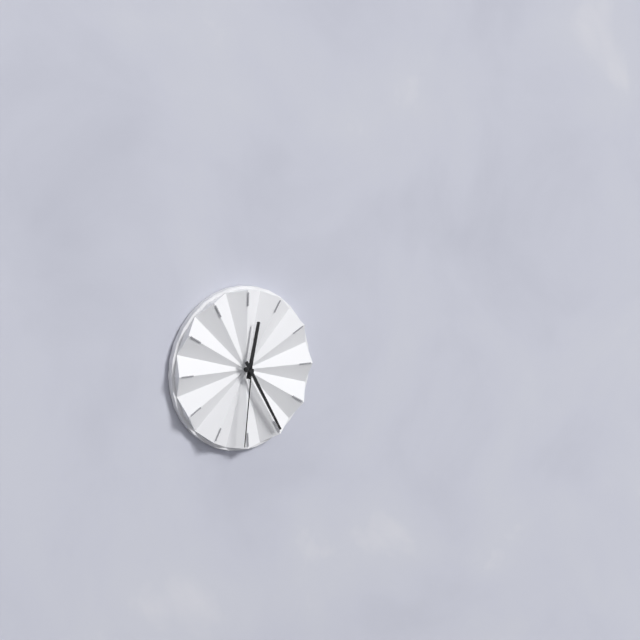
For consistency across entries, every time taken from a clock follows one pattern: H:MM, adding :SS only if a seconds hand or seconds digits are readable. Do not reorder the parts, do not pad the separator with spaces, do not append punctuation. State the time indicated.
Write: 12:25:31
